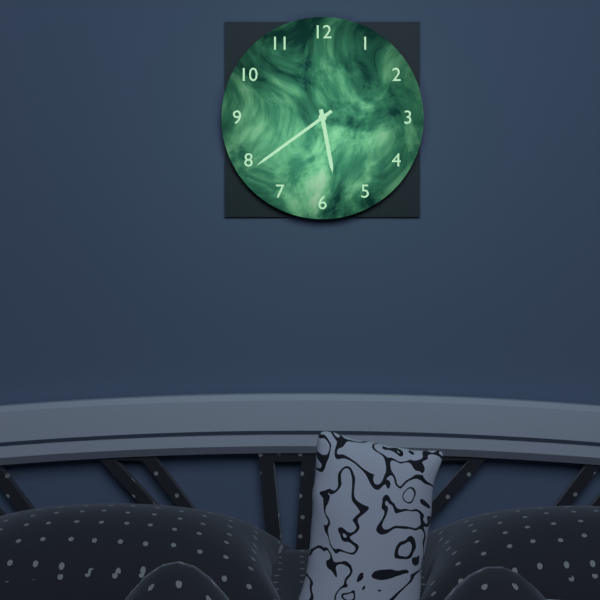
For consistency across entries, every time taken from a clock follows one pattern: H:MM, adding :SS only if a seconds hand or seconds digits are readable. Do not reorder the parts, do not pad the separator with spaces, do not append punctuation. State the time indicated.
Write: 5:39
